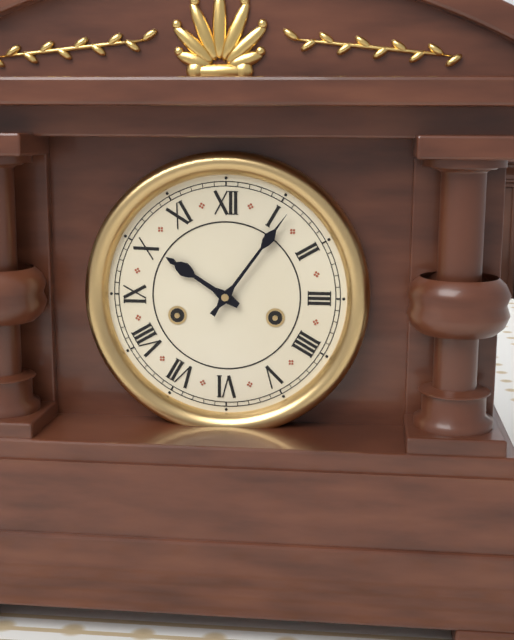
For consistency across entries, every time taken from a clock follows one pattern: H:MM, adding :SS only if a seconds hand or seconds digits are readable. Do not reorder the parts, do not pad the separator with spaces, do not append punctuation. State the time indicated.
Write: 10:06
